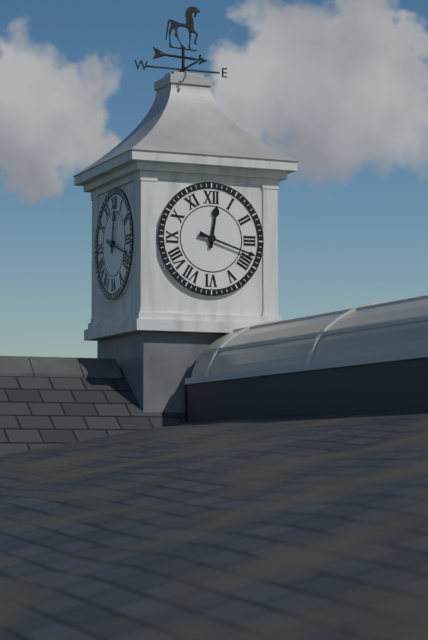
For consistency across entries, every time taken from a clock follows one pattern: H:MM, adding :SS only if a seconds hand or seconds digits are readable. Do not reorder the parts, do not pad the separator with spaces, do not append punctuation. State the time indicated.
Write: 12:18
